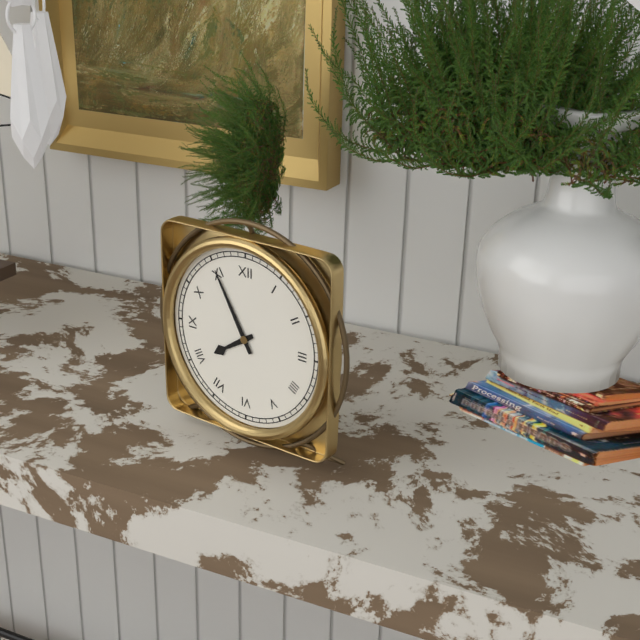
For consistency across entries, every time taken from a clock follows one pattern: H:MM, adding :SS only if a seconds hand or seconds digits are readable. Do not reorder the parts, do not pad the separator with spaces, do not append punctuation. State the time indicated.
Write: 7:55
